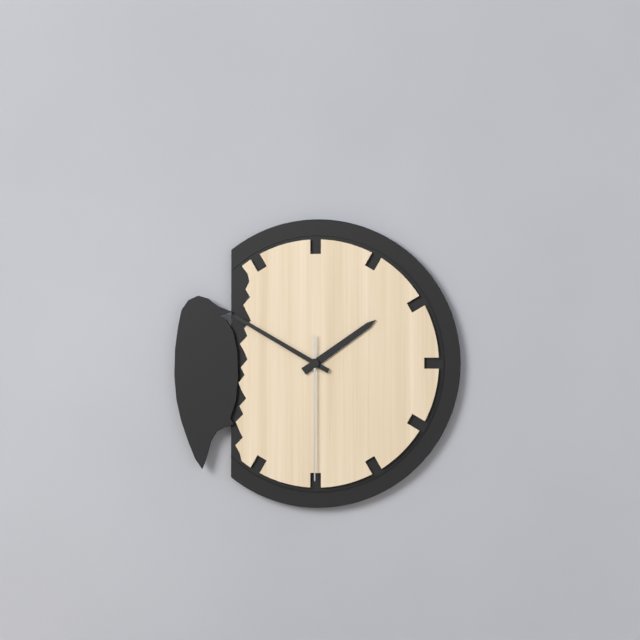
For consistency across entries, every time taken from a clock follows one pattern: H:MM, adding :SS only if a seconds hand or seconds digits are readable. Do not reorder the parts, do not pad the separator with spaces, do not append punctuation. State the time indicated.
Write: 1:50:30
